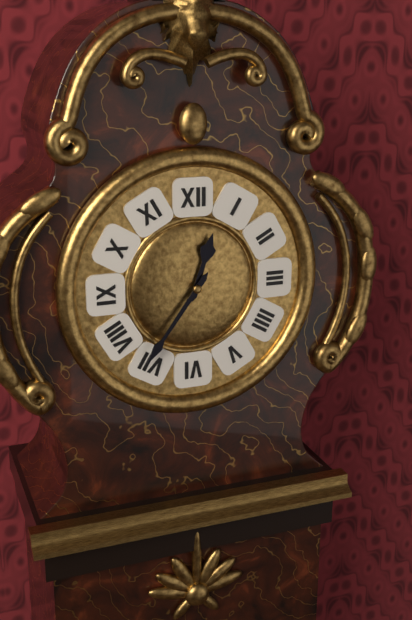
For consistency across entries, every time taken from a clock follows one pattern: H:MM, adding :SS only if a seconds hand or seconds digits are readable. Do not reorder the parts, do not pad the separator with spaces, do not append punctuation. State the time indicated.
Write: 12:36
